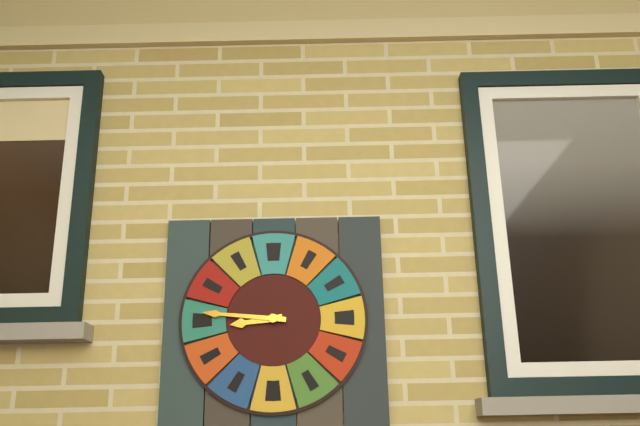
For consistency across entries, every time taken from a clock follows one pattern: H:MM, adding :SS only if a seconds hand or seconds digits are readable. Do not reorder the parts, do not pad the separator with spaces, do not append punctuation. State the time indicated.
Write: 8:46
